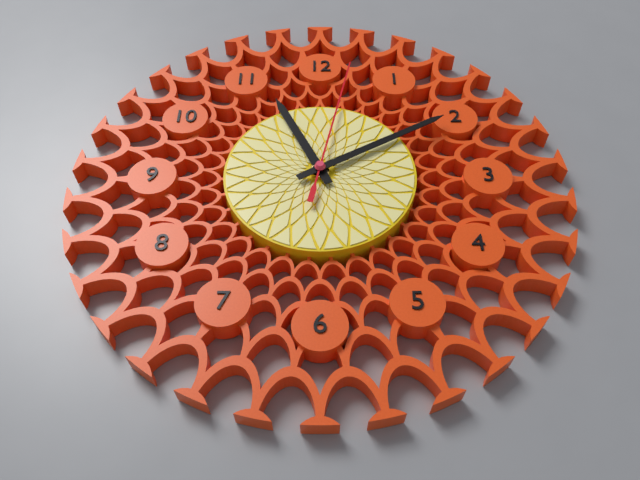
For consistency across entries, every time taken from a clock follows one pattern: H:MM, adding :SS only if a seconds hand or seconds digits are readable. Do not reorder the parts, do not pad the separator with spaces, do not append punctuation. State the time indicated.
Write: 11:10:02
